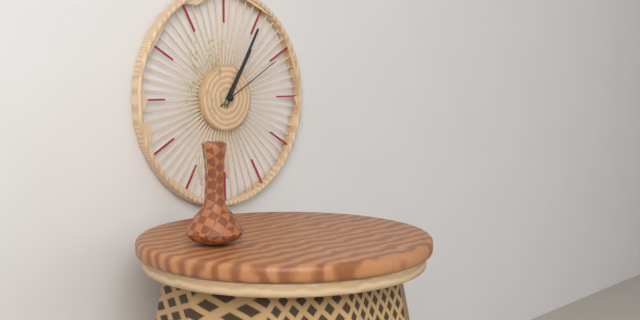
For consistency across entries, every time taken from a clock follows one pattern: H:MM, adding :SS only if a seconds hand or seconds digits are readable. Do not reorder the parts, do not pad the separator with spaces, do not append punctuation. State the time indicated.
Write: 1:05:10
